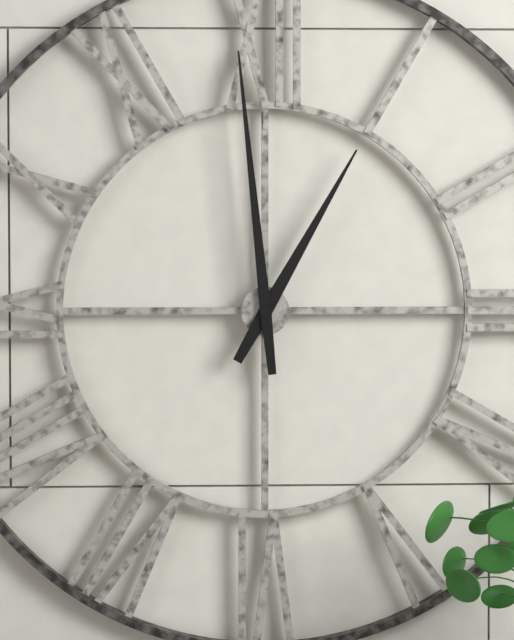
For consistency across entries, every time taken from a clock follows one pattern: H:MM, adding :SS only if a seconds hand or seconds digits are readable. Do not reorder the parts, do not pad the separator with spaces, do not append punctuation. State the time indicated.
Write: 12:59
